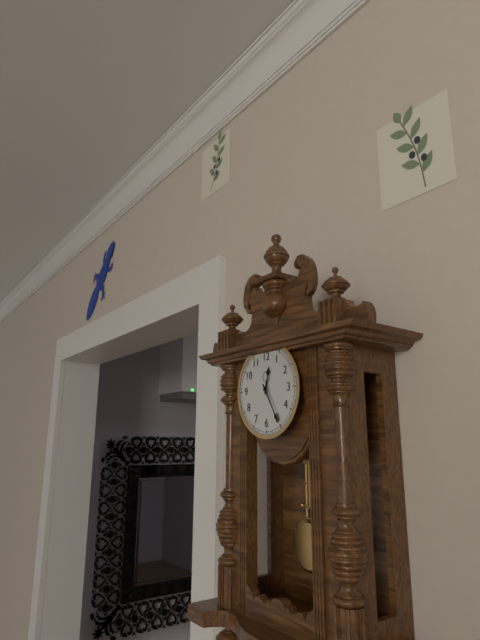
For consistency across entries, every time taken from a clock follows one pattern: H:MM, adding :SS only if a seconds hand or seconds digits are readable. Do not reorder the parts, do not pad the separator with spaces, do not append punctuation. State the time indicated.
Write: 12:25
